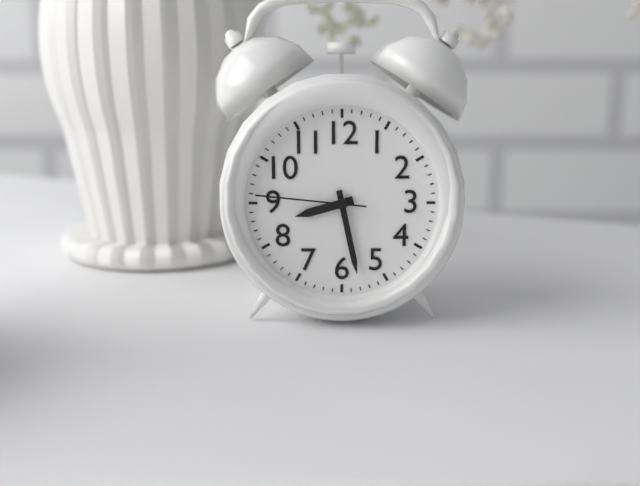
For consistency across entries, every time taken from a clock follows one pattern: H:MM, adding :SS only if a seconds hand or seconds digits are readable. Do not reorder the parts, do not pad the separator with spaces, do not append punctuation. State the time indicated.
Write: 8:28:46
